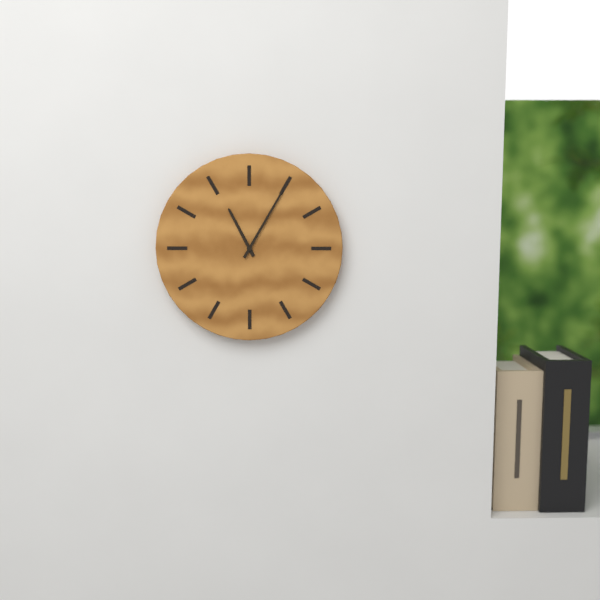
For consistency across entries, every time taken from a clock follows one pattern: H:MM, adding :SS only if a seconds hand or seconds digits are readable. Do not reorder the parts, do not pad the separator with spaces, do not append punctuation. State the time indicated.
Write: 11:05
